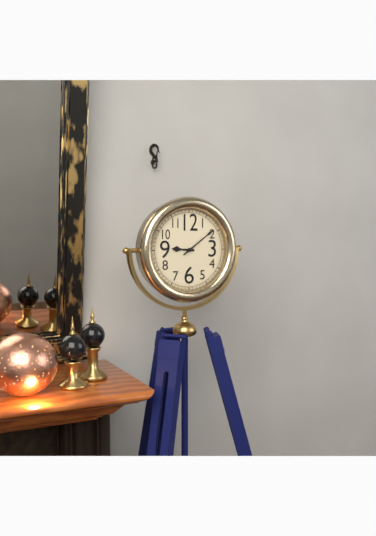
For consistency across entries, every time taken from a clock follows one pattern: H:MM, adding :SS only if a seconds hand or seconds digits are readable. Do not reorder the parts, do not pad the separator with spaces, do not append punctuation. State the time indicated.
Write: 9:09
